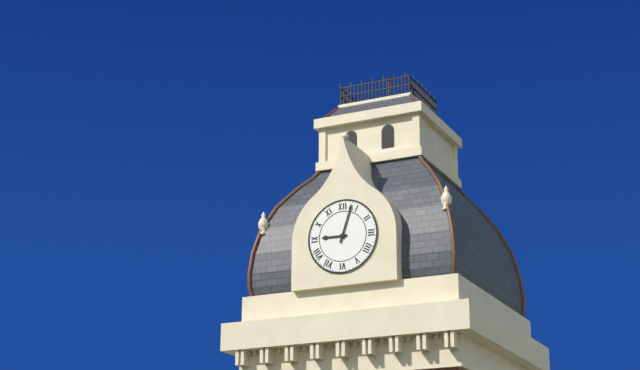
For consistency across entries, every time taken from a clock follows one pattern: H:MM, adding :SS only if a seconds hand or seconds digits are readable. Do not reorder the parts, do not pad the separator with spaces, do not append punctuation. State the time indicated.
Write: 9:03
